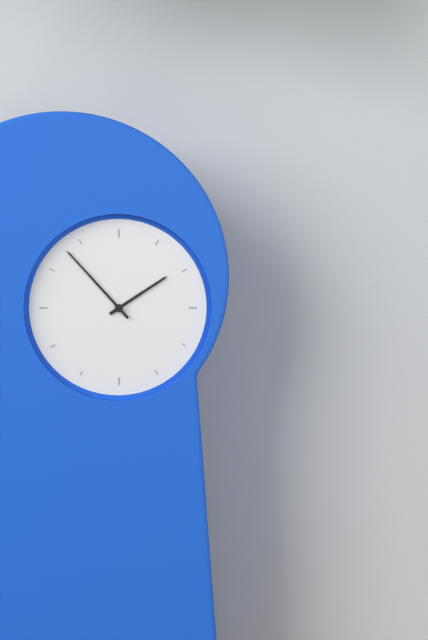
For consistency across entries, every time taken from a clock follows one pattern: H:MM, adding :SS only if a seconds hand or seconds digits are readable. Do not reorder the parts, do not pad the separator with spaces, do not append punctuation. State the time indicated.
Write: 1:53
